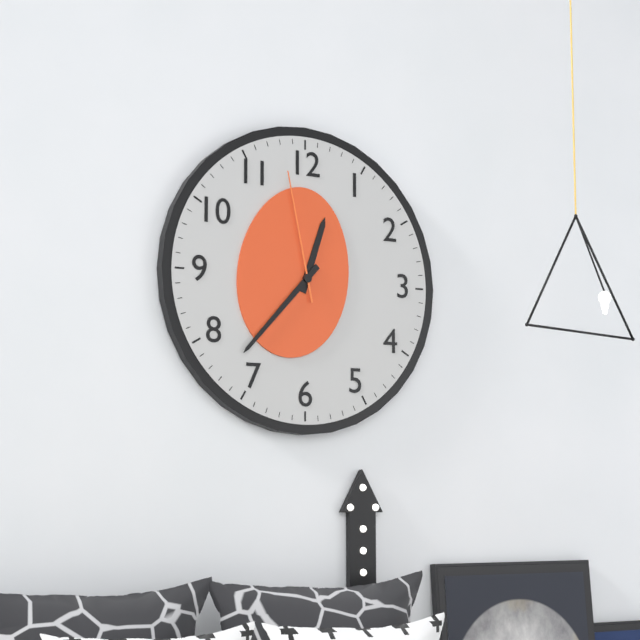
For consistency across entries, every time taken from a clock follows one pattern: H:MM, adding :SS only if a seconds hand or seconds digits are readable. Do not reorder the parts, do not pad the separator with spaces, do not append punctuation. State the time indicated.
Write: 12:37:58
